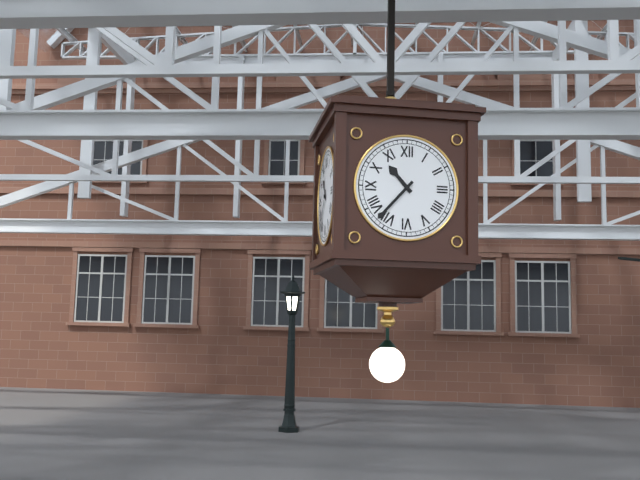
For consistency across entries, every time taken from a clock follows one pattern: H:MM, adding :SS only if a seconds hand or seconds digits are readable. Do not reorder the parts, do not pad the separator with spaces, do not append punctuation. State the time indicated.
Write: 10:37
